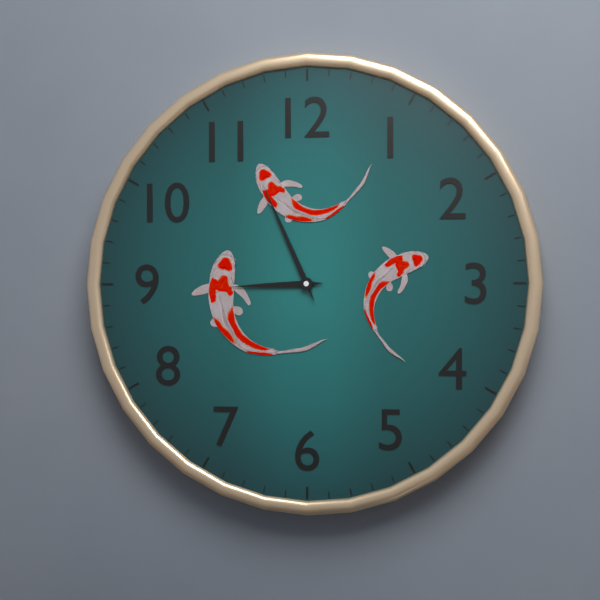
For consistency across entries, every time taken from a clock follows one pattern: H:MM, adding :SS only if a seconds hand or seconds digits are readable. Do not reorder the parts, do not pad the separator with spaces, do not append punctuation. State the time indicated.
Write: 8:56
